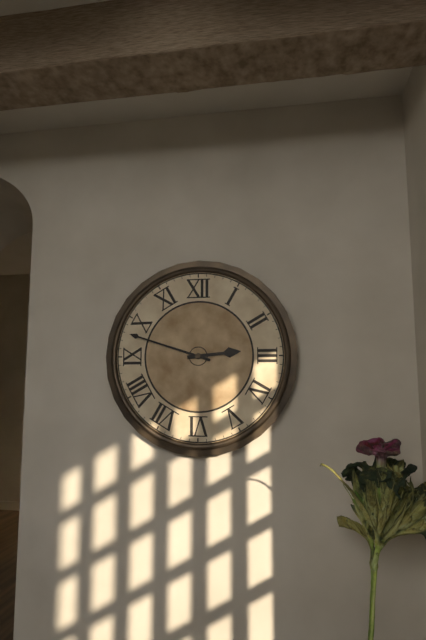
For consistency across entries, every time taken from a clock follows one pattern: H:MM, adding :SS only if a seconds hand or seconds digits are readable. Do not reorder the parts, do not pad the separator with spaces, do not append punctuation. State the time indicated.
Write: 2:48
